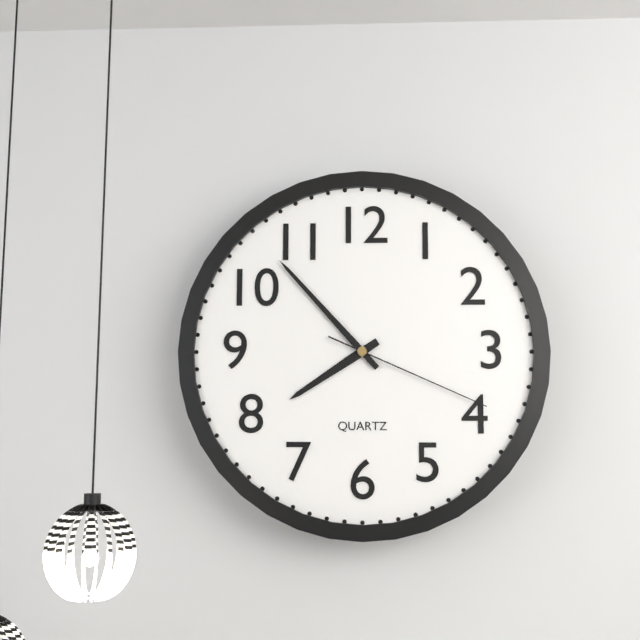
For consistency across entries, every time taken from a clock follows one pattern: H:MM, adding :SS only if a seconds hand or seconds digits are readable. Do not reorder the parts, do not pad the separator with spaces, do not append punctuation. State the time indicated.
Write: 7:53:19
